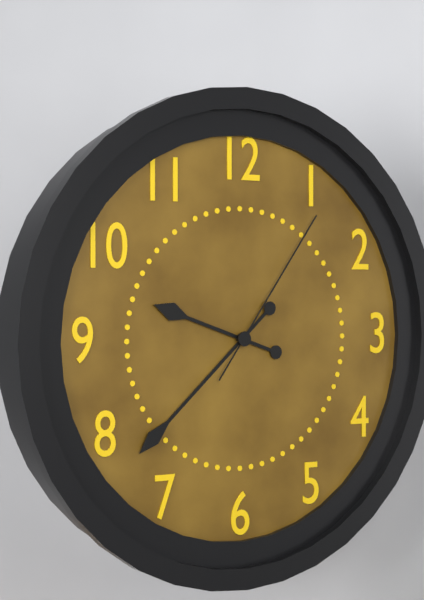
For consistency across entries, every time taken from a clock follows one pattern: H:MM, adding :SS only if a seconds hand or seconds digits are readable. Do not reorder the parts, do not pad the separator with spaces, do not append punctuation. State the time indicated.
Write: 9:38:06
